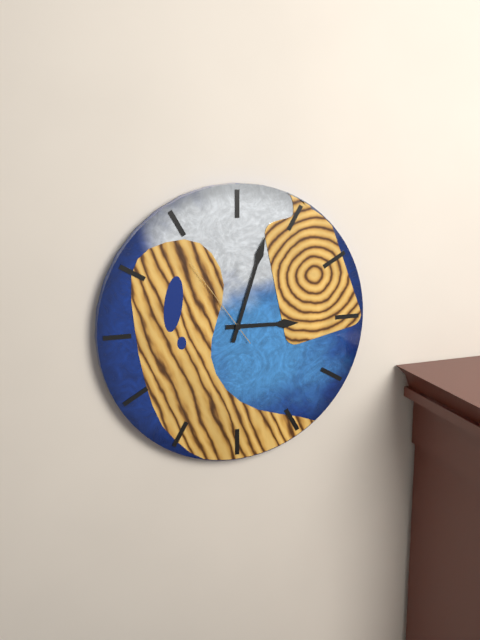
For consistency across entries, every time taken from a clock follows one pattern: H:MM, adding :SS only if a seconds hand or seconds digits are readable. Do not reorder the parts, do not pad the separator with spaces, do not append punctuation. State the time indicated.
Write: 3:03:54
